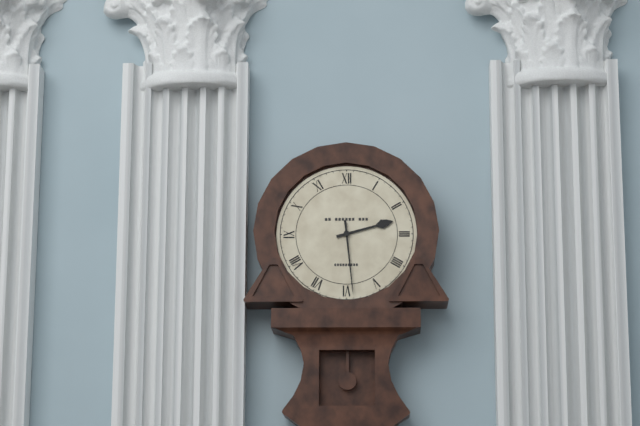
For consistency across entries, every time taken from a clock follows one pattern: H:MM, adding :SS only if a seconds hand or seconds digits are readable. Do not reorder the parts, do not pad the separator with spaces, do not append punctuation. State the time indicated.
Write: 2:29
